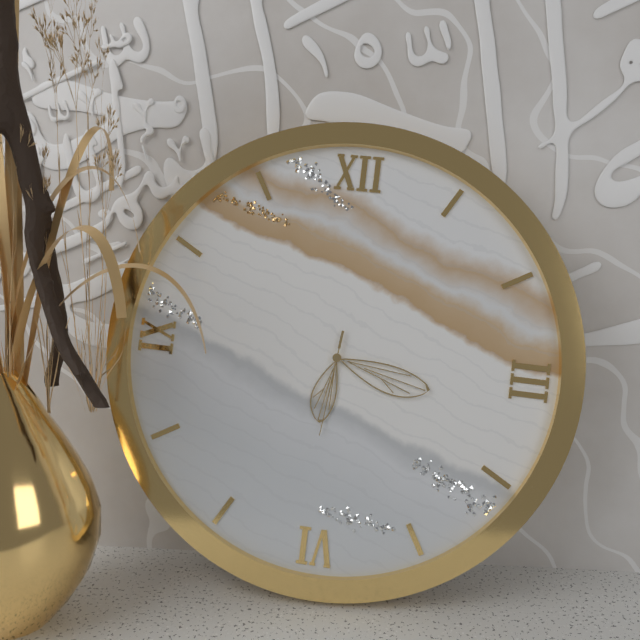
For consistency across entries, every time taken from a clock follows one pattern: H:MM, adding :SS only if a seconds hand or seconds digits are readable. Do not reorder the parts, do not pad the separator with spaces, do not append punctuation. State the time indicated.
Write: 6:17:31
